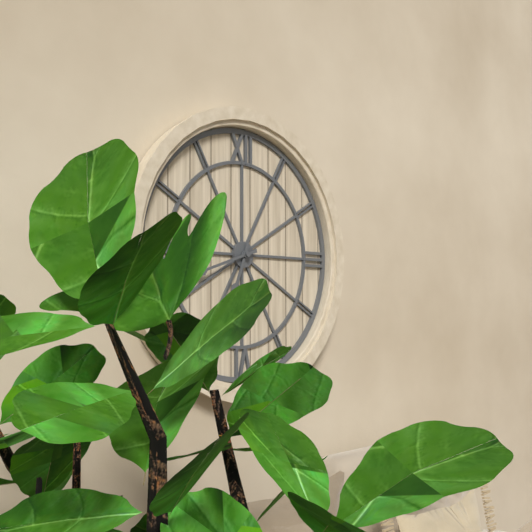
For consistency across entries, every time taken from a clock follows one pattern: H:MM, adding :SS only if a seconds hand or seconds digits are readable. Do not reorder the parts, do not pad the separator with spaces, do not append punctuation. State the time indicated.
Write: 6:42
